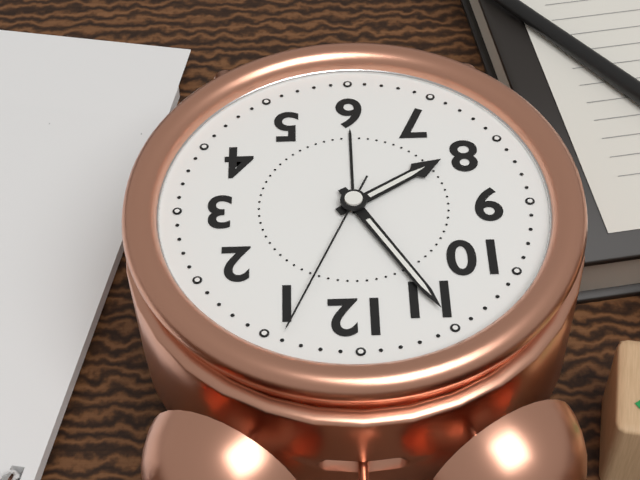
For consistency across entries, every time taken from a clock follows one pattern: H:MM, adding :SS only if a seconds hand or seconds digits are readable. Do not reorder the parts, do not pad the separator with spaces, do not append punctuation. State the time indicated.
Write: 7:55:04
